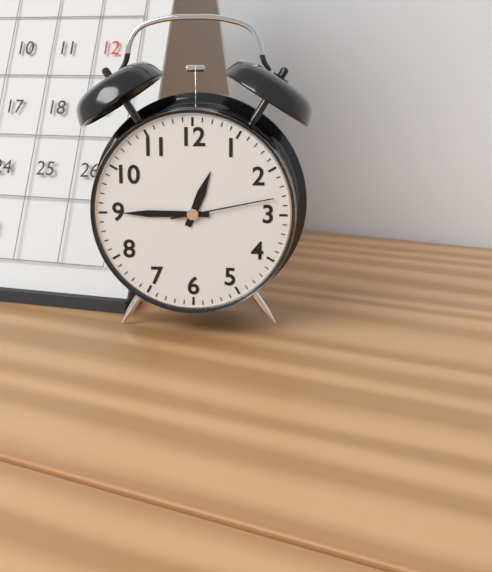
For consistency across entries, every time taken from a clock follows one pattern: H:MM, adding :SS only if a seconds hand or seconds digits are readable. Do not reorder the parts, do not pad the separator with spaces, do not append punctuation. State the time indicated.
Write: 12:45:13
